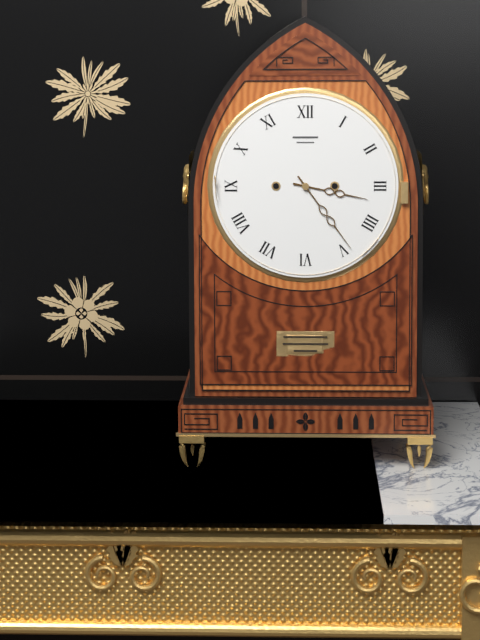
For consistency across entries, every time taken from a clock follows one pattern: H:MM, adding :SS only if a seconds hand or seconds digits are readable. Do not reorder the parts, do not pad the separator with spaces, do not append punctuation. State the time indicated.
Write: 3:24
